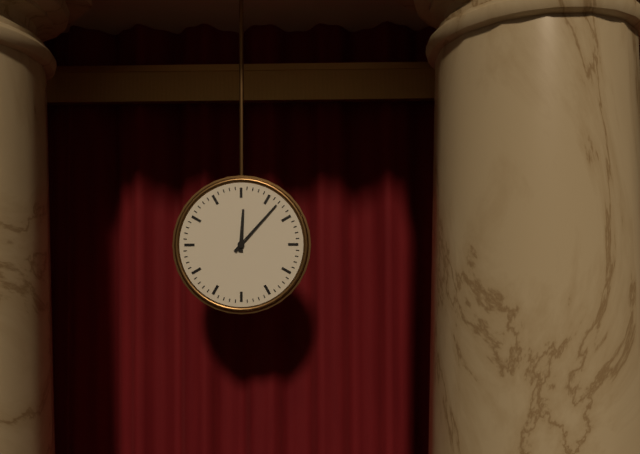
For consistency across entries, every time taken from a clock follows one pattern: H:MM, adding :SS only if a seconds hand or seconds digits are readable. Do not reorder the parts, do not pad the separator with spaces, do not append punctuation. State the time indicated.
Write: 12:07
